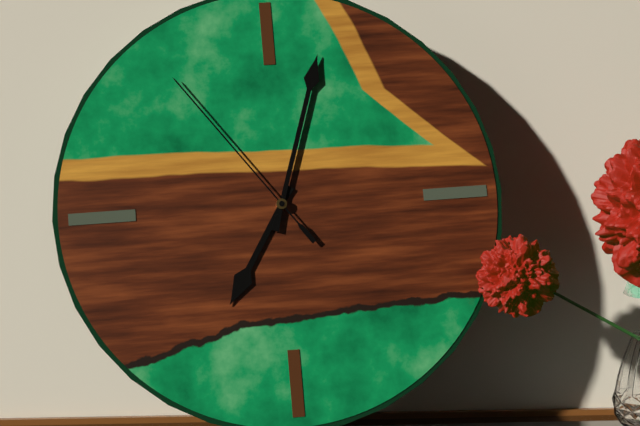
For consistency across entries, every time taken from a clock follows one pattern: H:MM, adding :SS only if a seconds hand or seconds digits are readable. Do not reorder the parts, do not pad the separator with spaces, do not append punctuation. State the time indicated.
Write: 7:03:54
